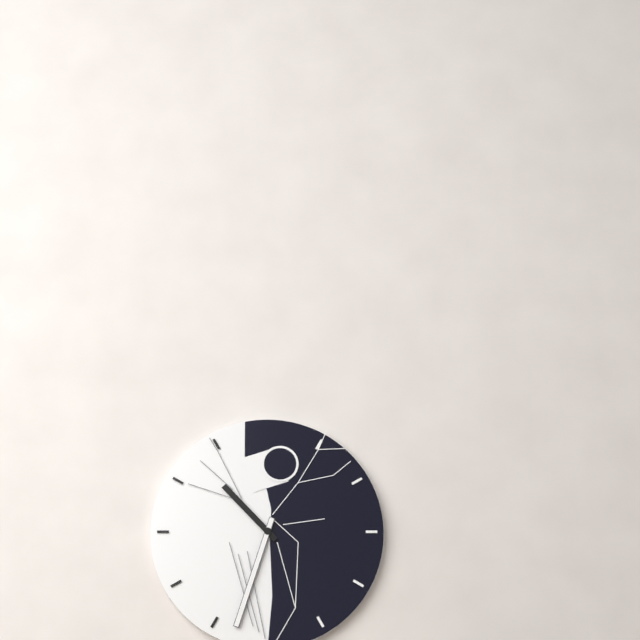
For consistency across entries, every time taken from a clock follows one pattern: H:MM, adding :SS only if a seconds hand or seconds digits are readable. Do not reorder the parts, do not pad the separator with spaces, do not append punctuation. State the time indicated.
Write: 10:33
